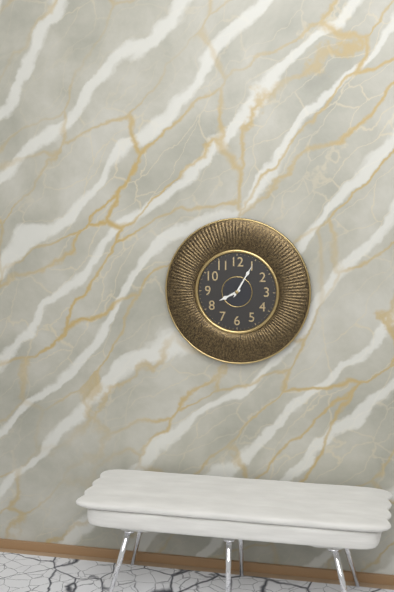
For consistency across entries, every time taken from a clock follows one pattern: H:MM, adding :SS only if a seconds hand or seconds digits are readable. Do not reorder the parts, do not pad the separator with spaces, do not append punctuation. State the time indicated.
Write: 8:05
